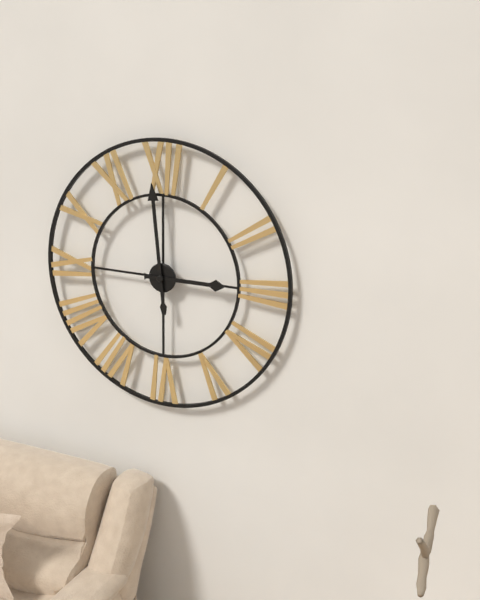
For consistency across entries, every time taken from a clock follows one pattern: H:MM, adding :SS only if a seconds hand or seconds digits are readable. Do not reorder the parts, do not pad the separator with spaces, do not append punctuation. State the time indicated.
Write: 2:59
